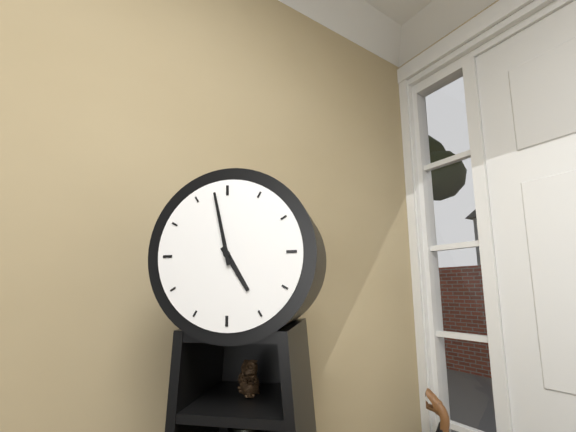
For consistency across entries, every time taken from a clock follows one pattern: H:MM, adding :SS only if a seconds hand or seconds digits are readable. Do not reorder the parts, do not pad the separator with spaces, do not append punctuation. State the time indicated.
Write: 4:58
